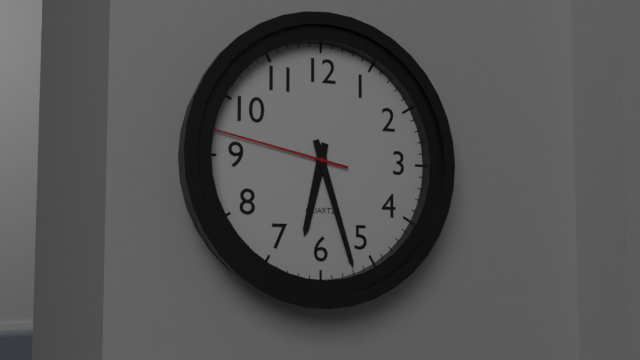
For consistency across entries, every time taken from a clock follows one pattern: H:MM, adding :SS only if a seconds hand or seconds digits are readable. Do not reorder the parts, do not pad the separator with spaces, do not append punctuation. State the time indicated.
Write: 6:27:47
